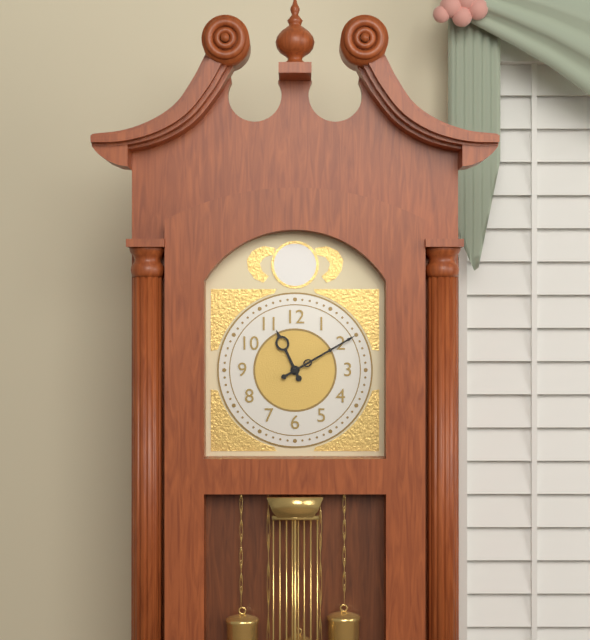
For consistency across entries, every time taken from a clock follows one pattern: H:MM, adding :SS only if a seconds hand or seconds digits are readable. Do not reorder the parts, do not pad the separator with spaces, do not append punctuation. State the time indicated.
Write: 11:10
